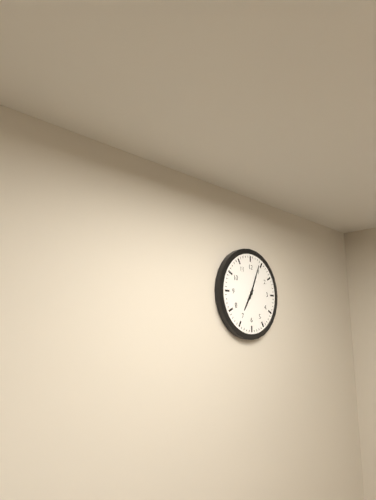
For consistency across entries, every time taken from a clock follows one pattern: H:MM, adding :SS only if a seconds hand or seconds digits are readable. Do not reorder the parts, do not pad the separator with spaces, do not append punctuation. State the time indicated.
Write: 7:04
